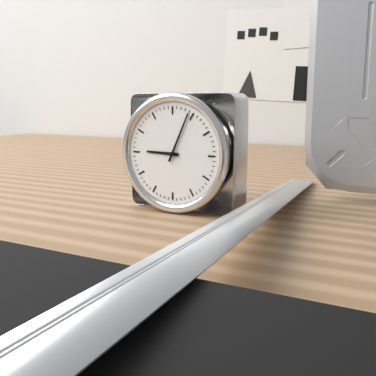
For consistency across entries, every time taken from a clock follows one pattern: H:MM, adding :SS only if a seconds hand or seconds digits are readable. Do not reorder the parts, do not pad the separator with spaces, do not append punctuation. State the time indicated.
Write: 9:04
